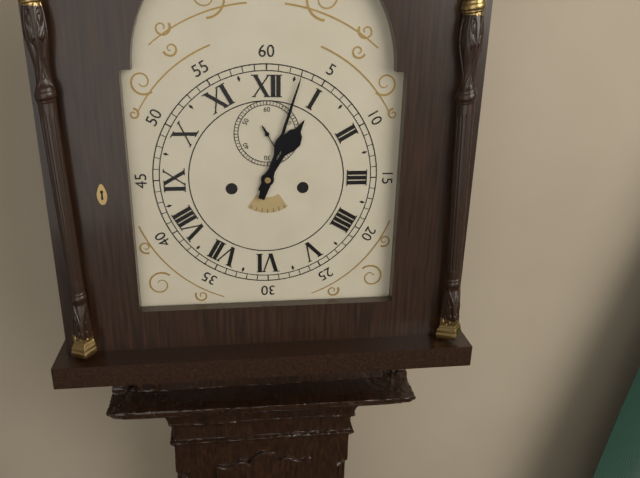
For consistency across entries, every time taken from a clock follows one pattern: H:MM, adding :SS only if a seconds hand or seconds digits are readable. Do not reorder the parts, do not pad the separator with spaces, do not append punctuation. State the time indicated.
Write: 1:03
